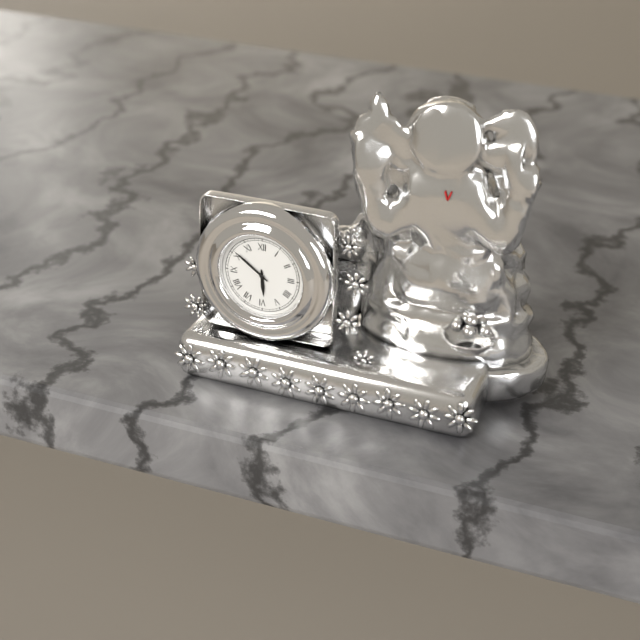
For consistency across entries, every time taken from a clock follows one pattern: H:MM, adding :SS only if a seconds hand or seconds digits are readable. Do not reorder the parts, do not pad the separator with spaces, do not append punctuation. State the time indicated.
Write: 5:51
